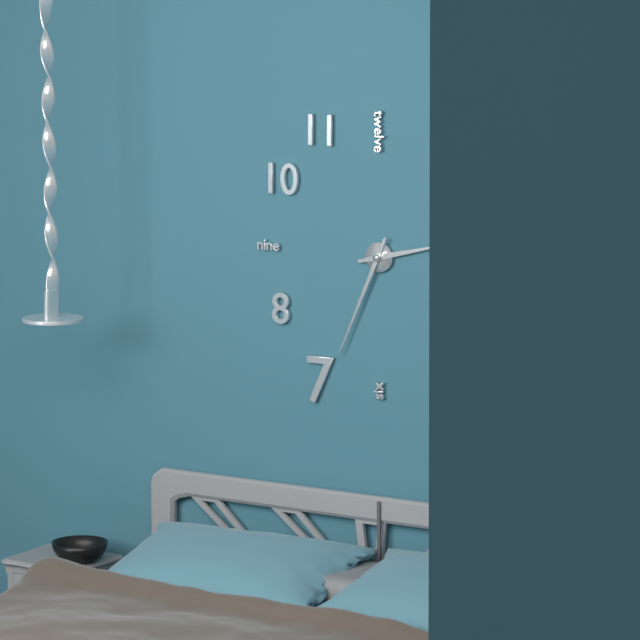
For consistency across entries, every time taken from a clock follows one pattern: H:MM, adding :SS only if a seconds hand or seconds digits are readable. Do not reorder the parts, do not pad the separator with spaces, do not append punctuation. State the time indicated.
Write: 2:34
